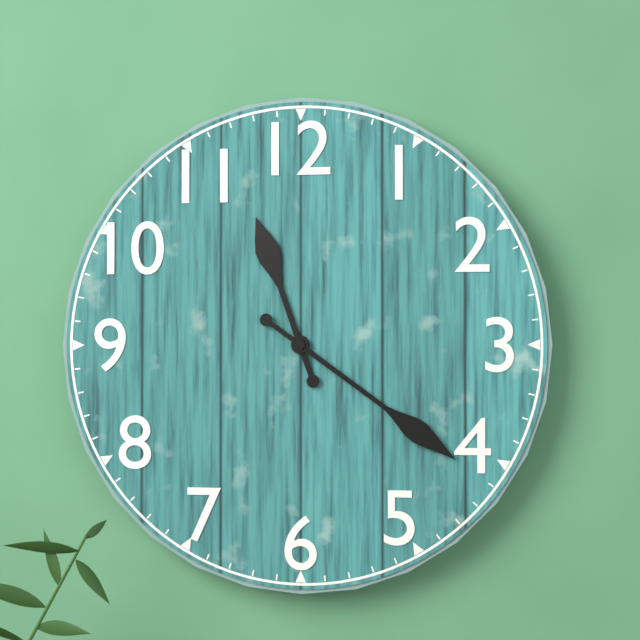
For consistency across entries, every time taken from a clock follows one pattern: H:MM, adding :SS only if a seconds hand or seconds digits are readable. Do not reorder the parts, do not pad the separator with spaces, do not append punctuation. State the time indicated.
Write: 11:21
